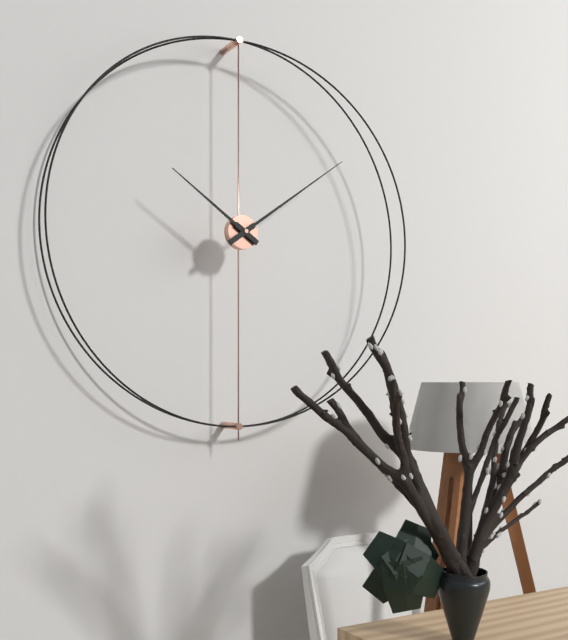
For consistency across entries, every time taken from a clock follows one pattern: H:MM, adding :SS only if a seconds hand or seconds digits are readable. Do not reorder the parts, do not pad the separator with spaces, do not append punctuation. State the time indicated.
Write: 10:09
